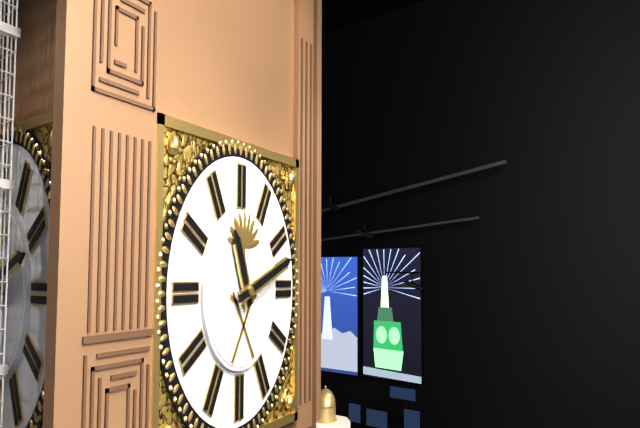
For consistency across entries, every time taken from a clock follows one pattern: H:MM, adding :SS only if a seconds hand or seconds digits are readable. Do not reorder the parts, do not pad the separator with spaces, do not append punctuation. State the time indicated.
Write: 11:12
